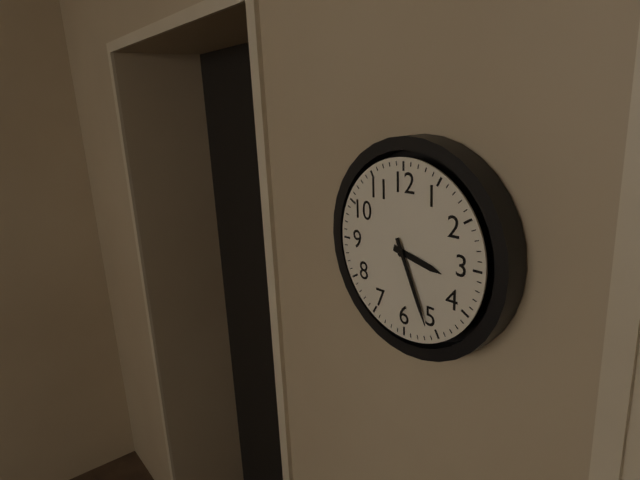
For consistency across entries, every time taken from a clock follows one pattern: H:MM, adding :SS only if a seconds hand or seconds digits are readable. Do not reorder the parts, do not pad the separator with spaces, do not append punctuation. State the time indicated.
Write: 3:26
